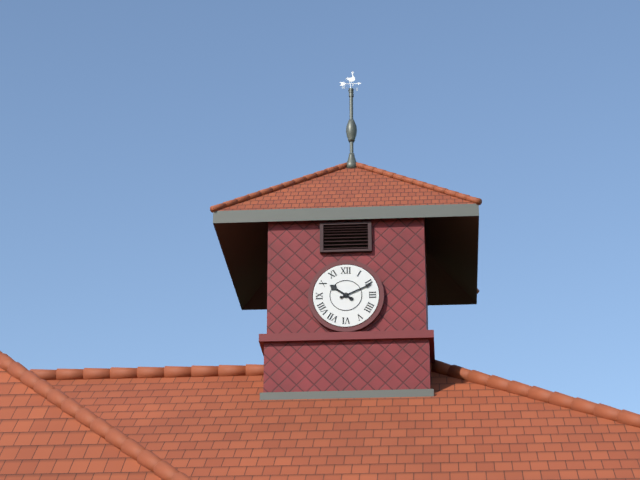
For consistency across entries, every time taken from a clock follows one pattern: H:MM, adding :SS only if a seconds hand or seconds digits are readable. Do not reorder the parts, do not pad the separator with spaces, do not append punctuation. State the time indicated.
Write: 10:11
